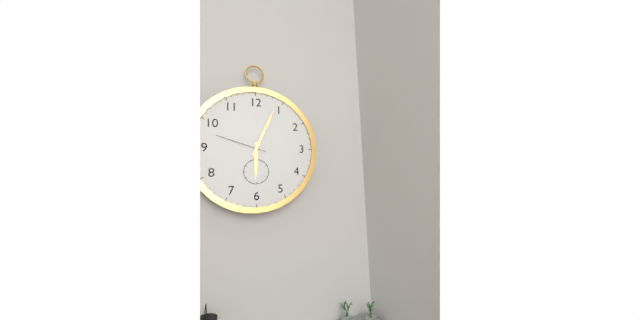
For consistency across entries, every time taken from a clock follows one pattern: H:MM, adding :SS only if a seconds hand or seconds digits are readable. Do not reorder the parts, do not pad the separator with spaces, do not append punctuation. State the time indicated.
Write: 6:04:48
